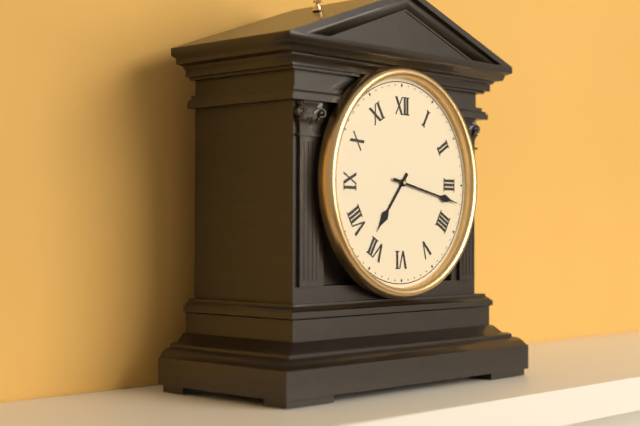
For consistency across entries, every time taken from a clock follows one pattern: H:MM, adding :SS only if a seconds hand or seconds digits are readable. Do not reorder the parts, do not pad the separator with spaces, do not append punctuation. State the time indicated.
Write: 7:17
